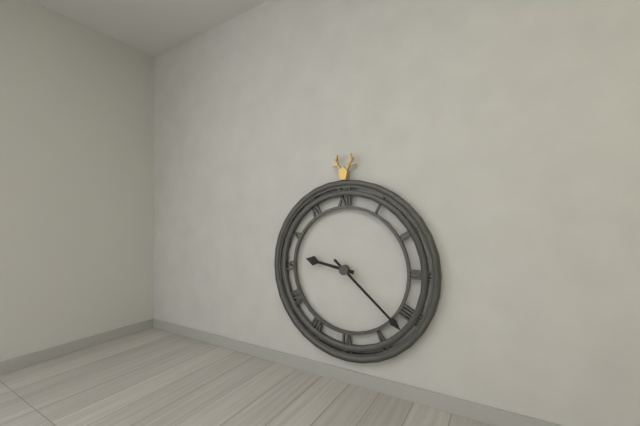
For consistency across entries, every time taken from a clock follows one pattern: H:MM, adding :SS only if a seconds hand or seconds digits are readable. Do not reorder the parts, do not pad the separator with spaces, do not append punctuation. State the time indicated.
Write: 9:22
